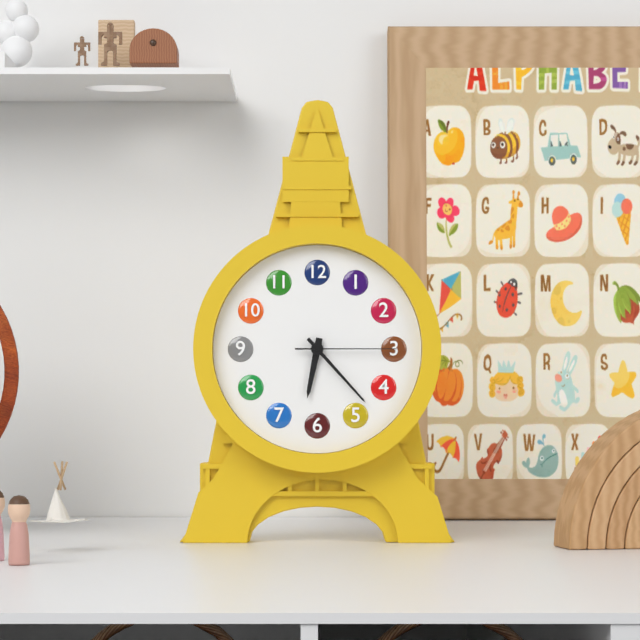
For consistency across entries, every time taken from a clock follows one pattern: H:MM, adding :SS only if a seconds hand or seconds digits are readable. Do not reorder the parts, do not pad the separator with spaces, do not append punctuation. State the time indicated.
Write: 6:23:15
